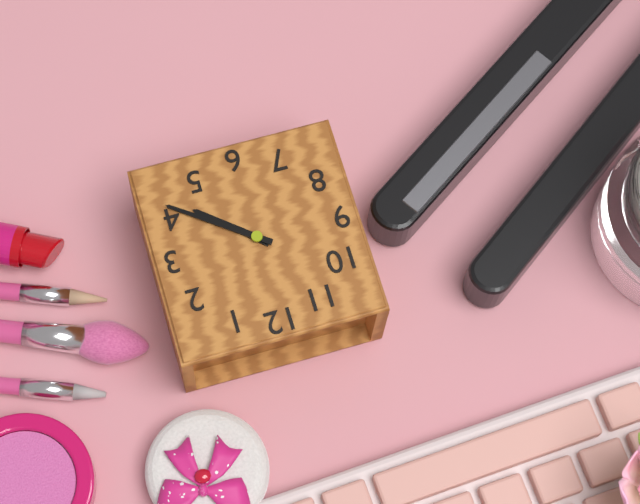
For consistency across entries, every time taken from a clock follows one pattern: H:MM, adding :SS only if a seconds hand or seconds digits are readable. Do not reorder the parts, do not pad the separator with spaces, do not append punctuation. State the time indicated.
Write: 4:21
